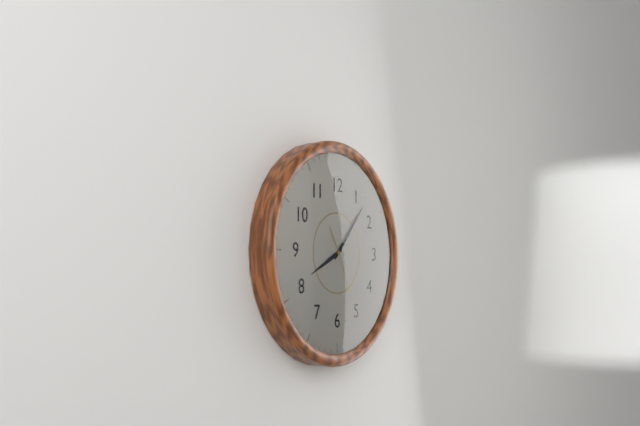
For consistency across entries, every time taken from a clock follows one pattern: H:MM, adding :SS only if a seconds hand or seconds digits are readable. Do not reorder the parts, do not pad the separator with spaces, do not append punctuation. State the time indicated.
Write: 8:07:25
